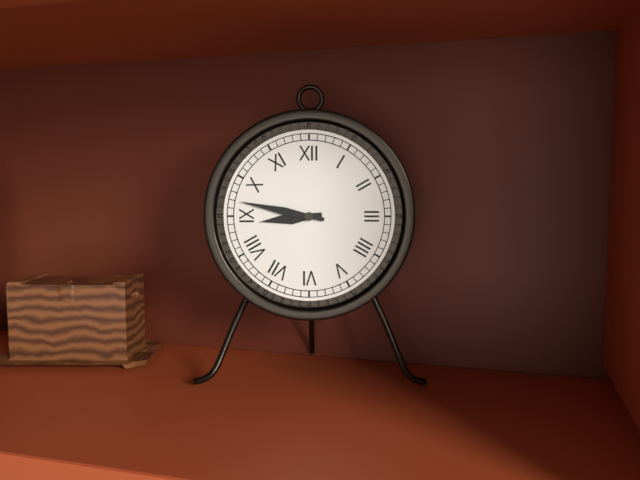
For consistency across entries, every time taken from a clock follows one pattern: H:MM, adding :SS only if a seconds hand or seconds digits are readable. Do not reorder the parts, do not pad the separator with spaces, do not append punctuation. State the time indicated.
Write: 8:47
